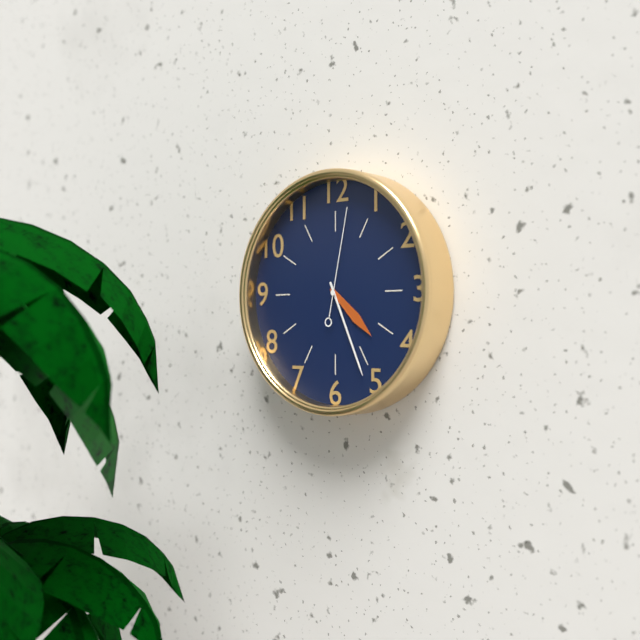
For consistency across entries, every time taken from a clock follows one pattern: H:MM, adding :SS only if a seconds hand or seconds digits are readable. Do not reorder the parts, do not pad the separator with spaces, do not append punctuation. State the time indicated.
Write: 4:26:02
